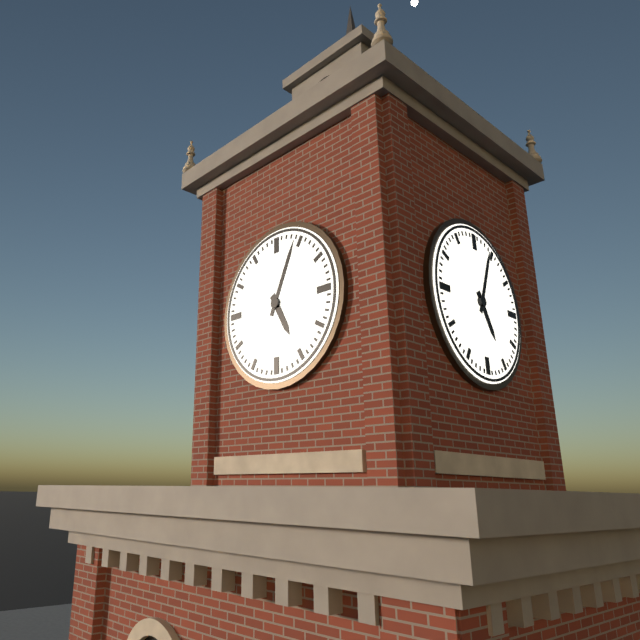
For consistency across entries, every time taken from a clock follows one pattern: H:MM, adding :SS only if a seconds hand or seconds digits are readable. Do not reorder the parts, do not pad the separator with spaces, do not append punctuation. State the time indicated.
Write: 5:04
